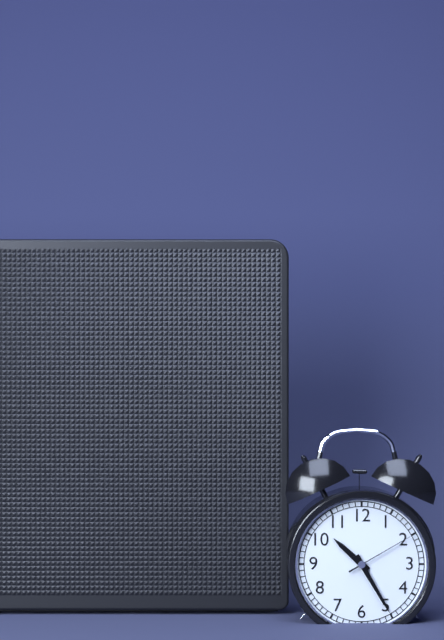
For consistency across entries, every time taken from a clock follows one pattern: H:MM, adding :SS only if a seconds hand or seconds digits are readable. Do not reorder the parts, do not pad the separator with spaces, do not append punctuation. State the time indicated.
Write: 10:25:10
